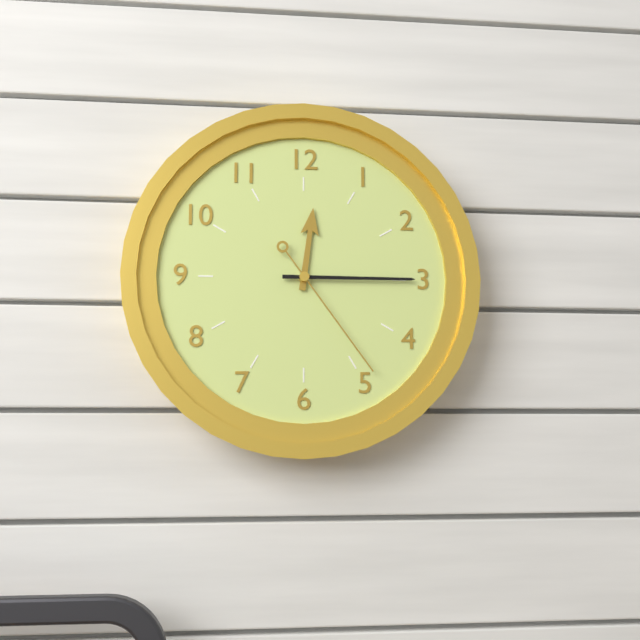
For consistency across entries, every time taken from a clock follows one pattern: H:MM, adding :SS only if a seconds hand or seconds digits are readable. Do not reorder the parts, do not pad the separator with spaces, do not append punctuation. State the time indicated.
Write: 12:15:24
